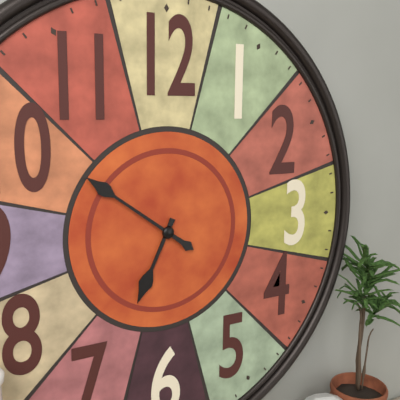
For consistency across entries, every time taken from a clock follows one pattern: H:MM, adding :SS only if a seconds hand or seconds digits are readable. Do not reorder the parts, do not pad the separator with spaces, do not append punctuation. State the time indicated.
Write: 6:51
